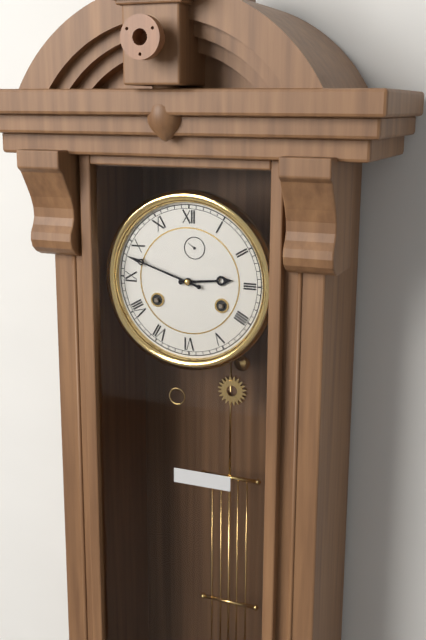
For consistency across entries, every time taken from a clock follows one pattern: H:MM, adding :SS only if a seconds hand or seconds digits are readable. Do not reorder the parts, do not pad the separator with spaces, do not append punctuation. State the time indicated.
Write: 2:48
